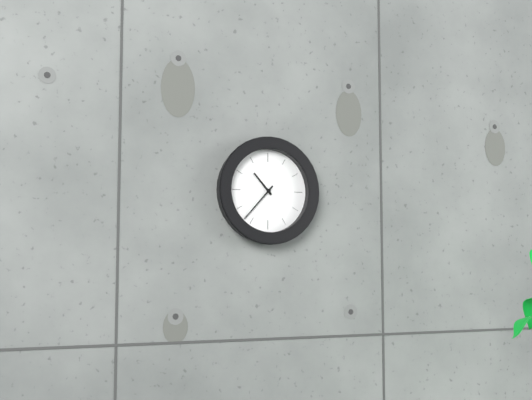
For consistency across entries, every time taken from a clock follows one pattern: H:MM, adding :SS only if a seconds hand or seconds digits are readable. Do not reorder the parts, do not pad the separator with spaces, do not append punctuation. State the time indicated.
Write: 10:37
